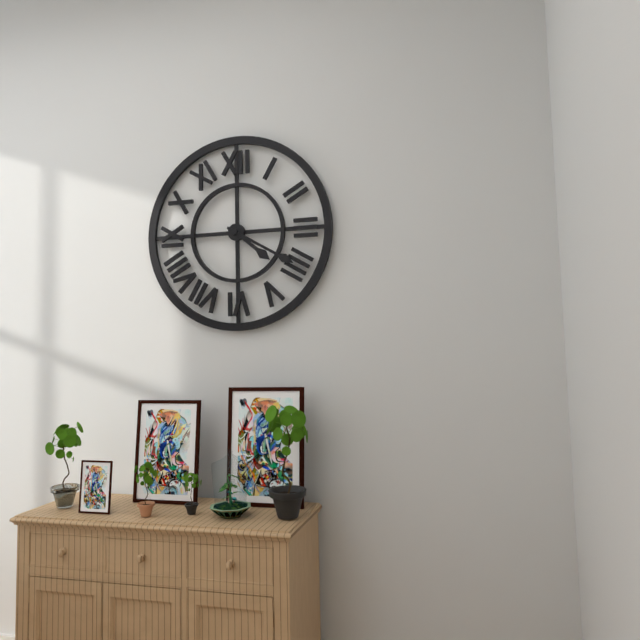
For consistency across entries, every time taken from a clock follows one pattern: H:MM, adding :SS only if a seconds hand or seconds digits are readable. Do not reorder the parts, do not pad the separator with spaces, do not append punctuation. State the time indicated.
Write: 4:20
